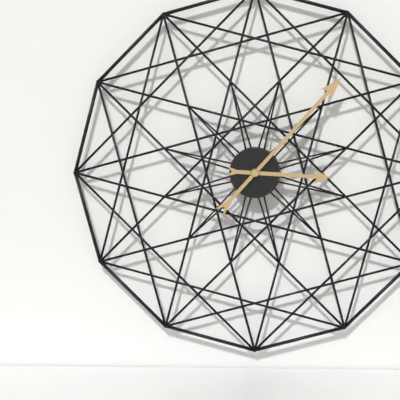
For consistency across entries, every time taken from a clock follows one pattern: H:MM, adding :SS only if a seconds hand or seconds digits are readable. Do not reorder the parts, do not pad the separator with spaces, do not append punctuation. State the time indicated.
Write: 3:07
